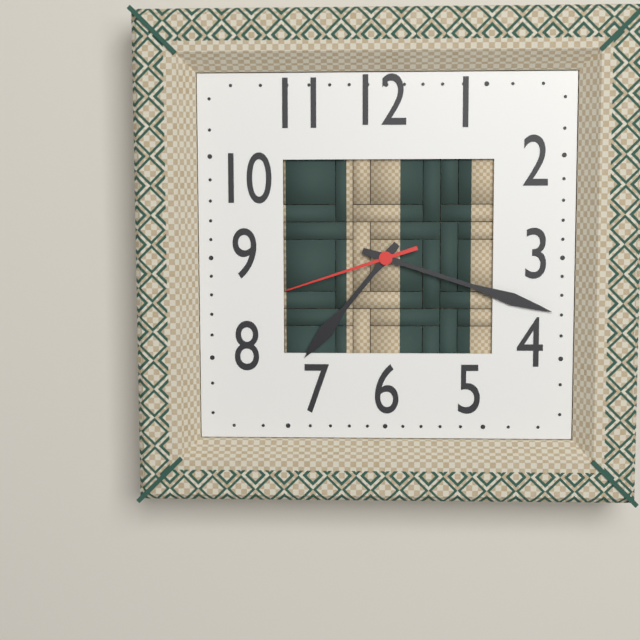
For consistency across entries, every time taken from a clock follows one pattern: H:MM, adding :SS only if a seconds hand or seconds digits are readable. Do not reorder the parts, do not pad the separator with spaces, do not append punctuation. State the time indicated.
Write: 7:18:42
